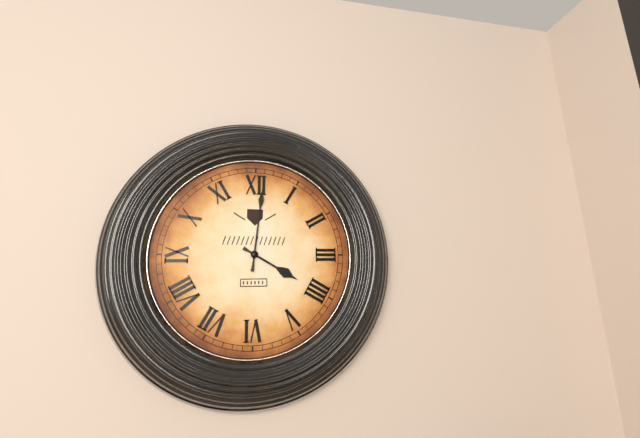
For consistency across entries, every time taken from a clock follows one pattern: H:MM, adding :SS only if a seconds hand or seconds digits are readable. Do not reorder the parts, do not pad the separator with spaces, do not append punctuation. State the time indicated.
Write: 4:01
